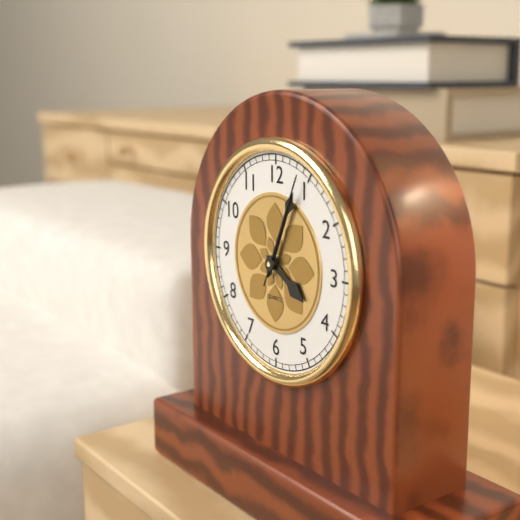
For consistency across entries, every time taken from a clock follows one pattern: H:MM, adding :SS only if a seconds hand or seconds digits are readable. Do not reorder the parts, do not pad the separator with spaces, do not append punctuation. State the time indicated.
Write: 4:04:04
